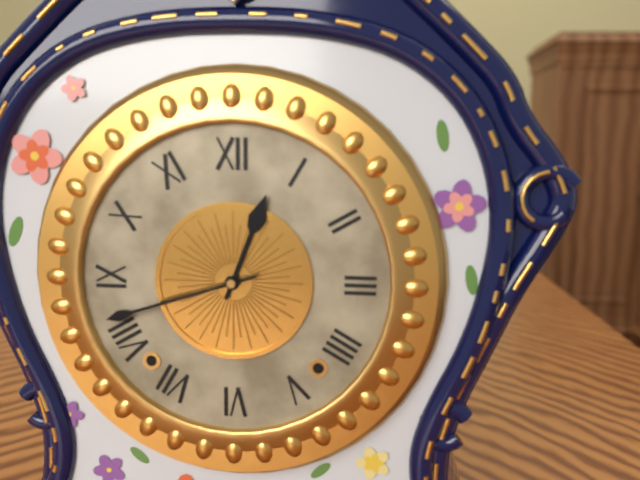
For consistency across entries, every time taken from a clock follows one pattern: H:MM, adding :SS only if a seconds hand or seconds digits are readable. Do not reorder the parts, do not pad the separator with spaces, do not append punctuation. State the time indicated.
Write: 12:42
